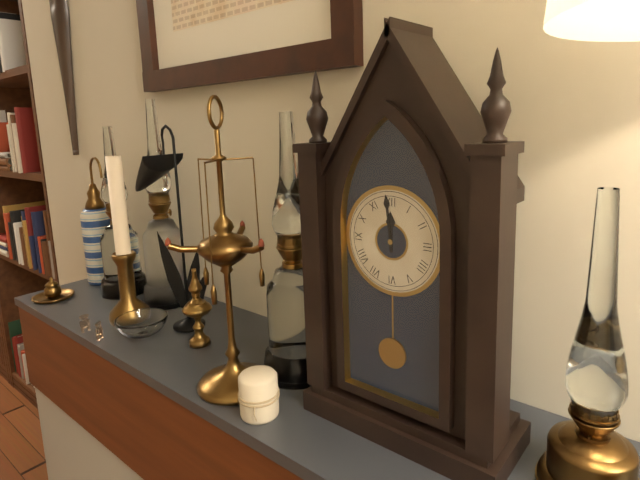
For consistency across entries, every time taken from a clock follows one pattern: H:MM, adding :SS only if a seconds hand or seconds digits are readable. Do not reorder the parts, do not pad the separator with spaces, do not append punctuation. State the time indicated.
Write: 11:59
